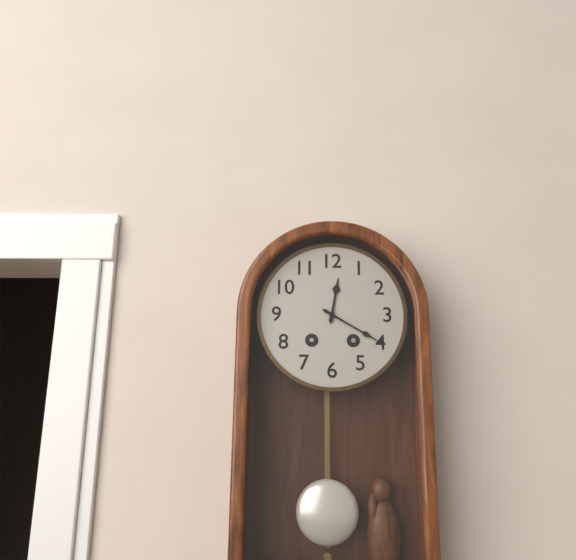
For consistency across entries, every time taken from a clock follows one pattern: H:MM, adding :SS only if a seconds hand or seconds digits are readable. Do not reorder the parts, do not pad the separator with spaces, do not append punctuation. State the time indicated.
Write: 12:20
